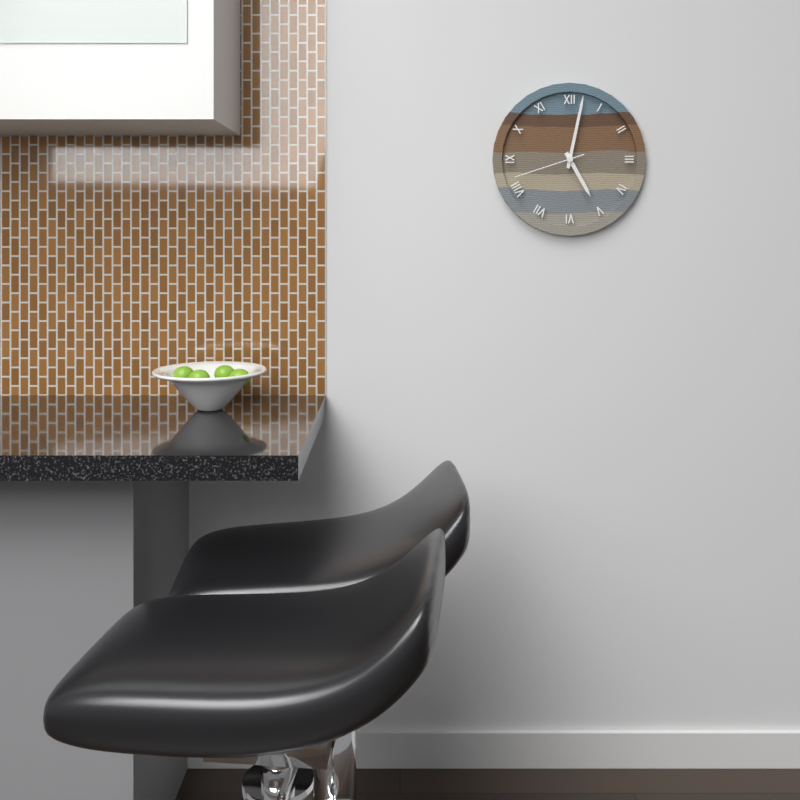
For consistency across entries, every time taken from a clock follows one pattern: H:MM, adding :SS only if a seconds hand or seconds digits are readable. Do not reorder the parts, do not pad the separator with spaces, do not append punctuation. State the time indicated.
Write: 5:02:42
